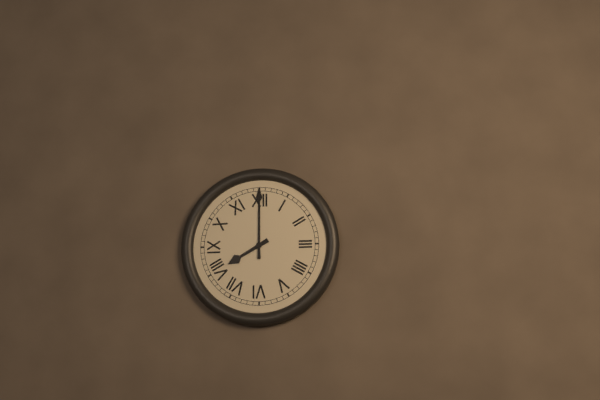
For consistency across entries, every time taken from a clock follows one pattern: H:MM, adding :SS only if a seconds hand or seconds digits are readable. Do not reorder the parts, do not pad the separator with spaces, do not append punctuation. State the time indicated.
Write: 8:00
